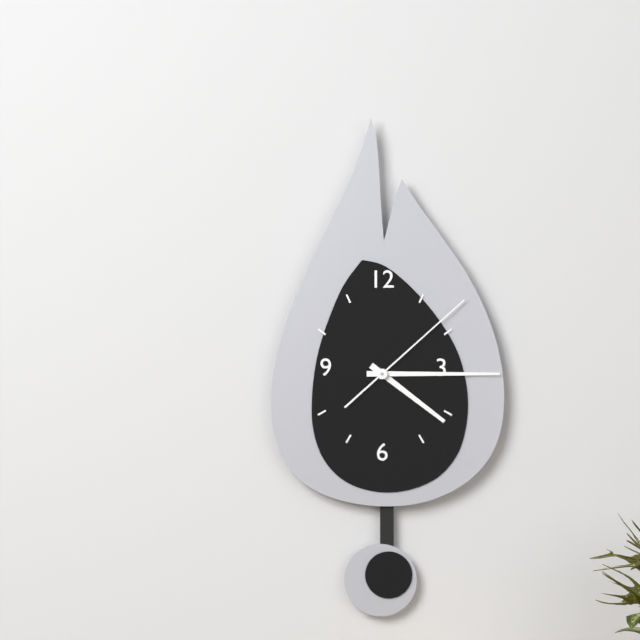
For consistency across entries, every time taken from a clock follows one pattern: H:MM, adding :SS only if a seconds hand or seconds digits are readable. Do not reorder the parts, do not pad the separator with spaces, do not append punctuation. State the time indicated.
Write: 4:15:08
